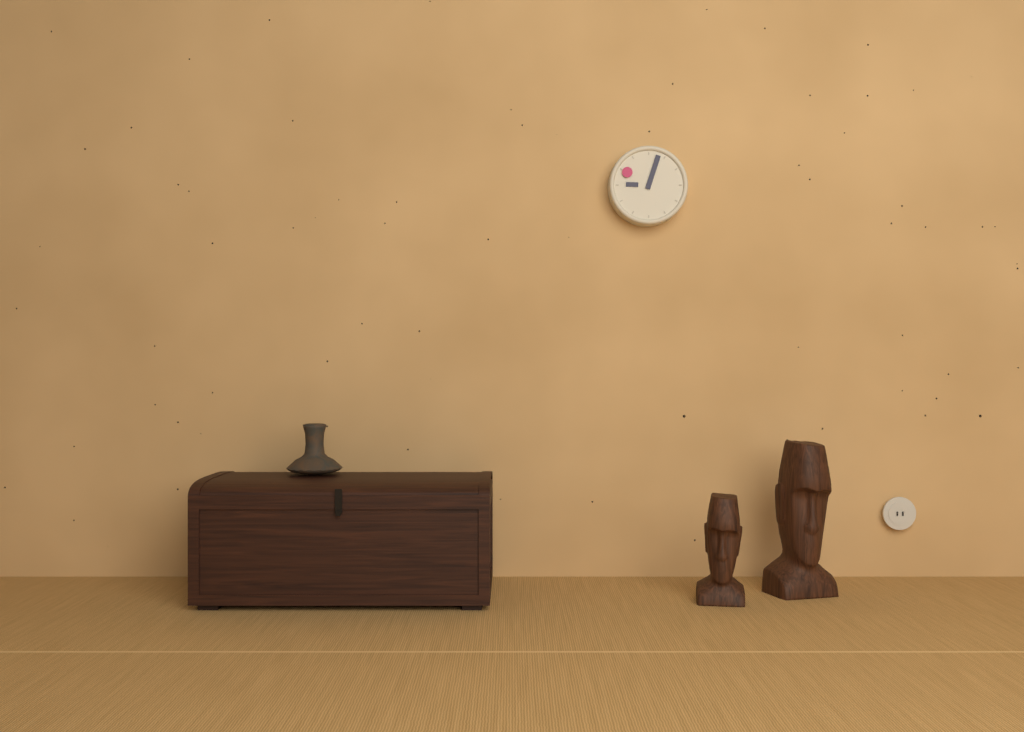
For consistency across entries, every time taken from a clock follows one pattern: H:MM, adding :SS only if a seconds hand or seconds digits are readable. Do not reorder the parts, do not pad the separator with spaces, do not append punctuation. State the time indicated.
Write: 9:03
